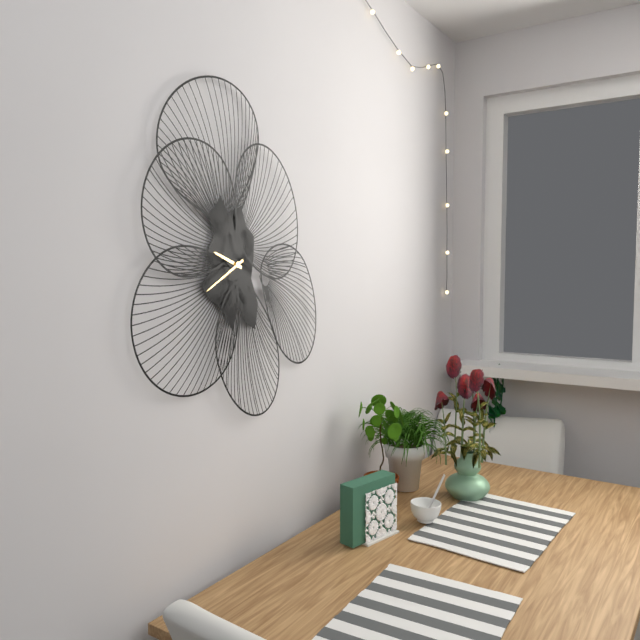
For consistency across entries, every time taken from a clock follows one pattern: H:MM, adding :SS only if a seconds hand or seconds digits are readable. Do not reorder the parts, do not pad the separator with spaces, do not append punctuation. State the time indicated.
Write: 9:40
